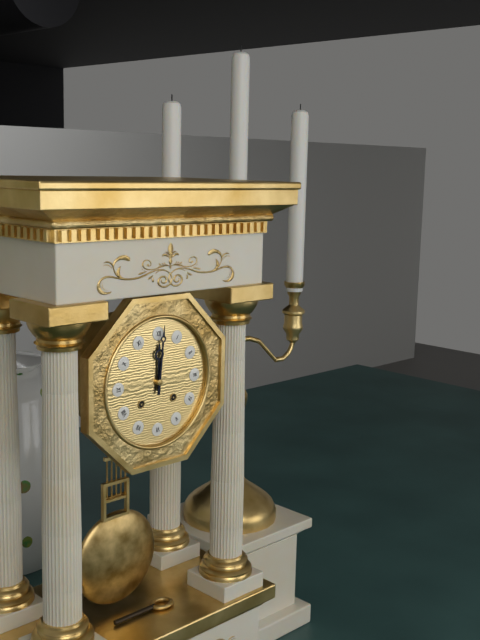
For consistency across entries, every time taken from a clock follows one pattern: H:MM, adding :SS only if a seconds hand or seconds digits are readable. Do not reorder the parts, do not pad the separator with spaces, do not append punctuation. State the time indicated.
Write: 12:01
